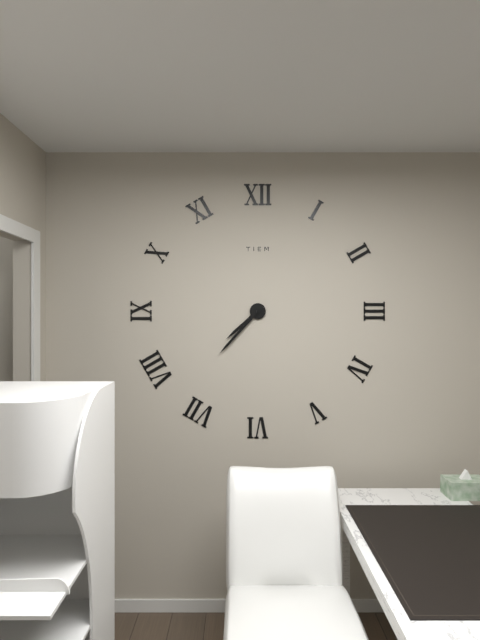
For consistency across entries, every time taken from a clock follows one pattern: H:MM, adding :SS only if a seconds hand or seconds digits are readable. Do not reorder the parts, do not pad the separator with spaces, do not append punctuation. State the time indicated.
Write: 7:37
